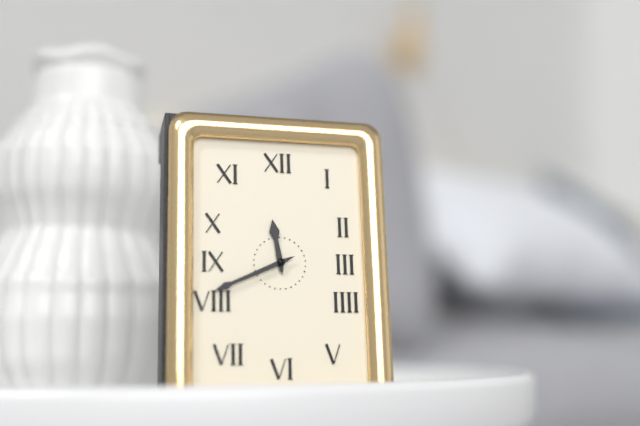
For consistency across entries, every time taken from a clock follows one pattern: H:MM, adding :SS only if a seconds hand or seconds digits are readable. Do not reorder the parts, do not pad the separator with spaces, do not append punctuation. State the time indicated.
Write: 11:41
